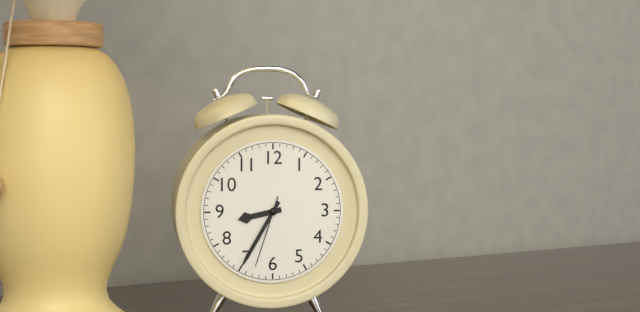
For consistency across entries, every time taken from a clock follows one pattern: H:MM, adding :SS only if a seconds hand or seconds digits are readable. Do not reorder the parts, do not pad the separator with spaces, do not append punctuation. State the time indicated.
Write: 8:35:33
